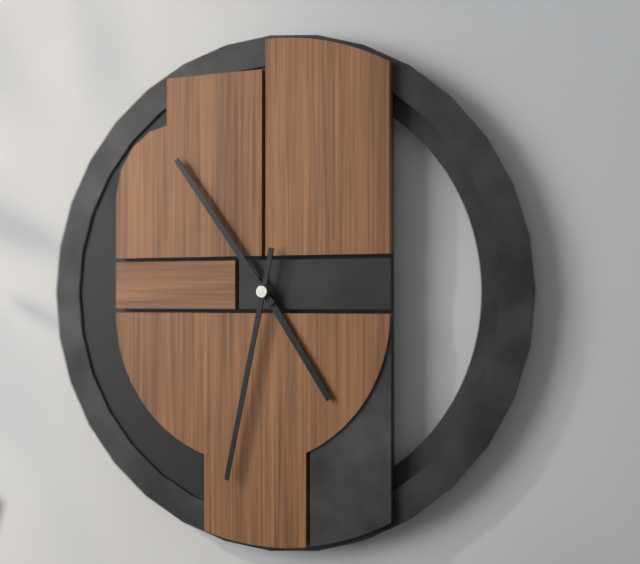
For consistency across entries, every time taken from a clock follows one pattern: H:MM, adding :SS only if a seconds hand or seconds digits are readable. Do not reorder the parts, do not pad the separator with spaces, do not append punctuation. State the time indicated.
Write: 4:54:32
